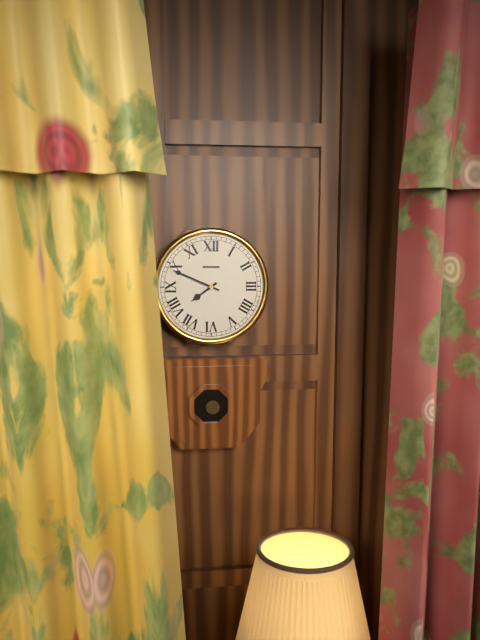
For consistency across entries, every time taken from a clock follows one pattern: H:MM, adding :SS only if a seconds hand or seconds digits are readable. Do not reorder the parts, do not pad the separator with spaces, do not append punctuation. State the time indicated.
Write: 7:49
